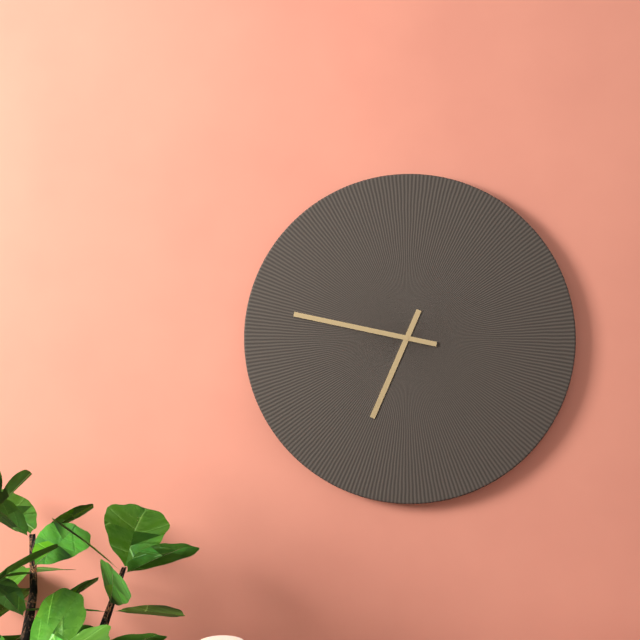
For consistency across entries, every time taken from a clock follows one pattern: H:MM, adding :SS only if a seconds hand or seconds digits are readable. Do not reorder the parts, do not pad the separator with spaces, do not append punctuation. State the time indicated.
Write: 6:47
